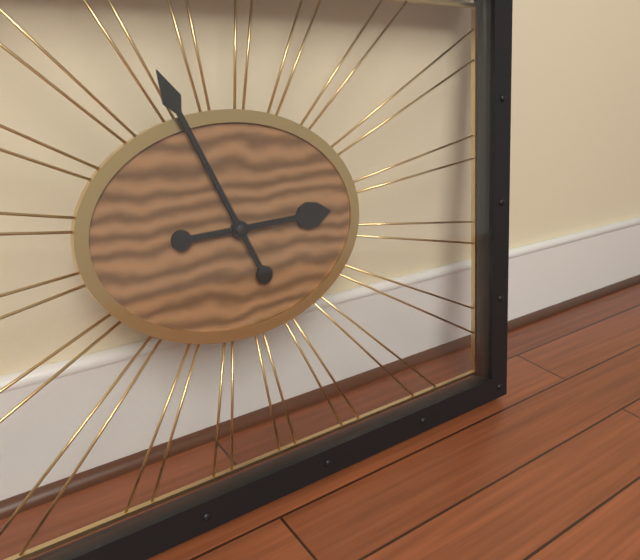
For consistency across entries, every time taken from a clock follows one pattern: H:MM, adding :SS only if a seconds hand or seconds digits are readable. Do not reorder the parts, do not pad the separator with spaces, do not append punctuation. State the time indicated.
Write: 2:56
